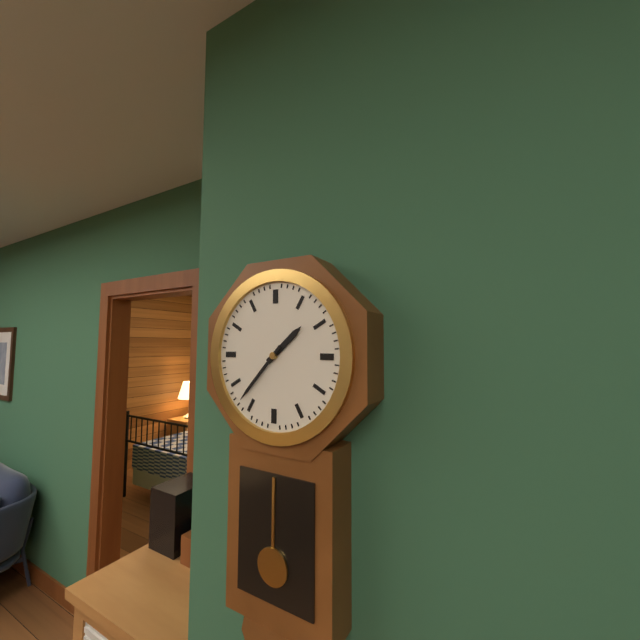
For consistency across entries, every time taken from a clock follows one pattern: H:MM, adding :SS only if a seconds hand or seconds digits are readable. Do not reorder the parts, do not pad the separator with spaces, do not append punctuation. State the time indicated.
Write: 1:37
